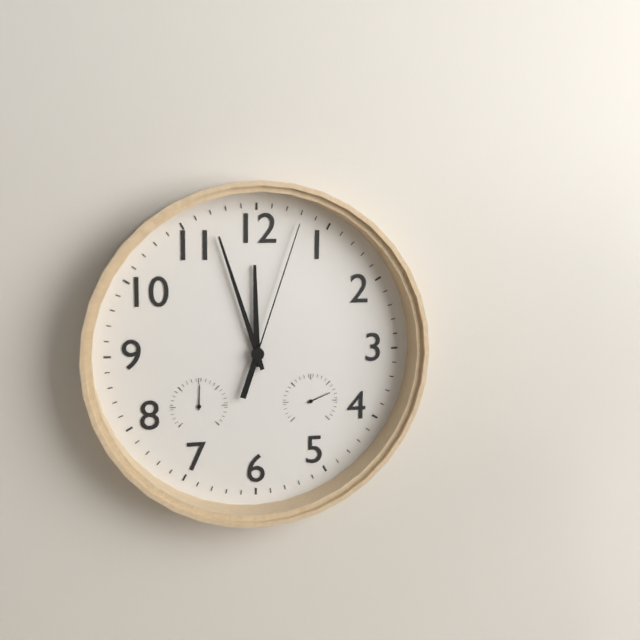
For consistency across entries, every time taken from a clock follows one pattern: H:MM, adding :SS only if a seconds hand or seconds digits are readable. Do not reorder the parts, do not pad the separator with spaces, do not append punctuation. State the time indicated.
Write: 11:57:03
